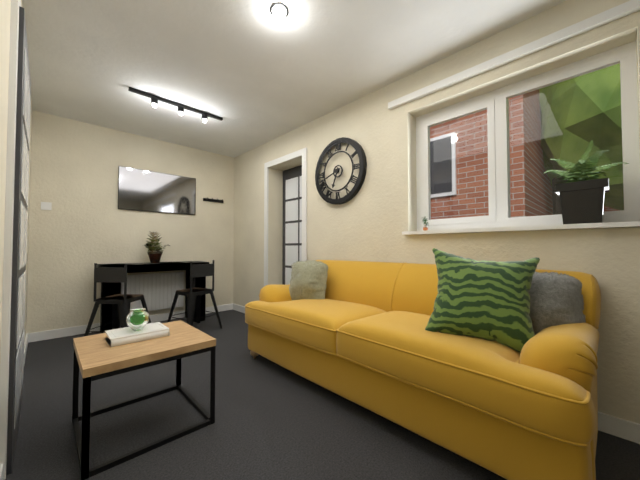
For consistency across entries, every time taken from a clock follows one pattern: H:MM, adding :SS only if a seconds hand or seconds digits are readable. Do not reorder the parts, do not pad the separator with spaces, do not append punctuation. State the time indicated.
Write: 6:42
